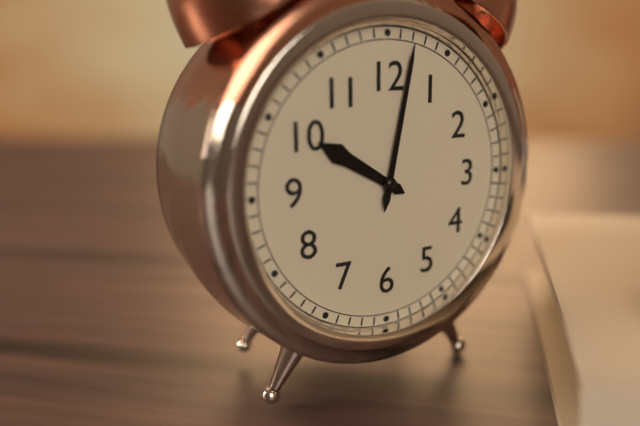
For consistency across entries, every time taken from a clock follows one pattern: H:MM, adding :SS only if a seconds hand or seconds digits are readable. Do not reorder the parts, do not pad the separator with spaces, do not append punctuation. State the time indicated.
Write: 10:02
